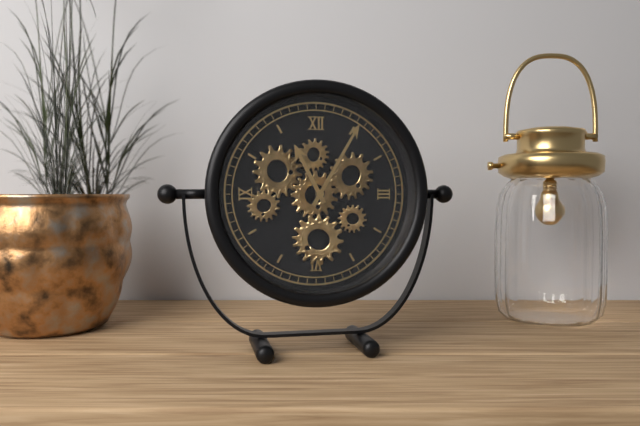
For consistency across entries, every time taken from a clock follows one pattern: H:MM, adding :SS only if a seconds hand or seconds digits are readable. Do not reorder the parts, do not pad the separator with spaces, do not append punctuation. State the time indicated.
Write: 11:05
